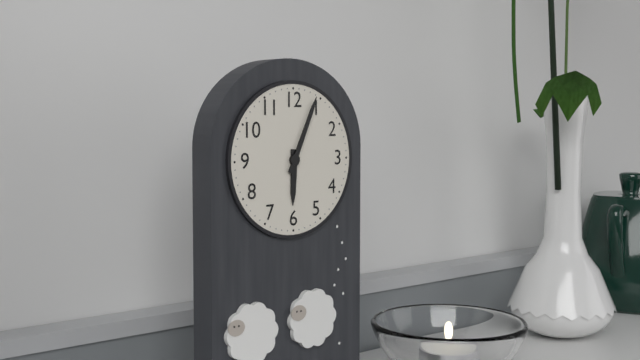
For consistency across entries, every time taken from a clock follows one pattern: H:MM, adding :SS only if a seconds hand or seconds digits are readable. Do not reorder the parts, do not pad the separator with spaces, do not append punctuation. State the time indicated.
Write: 6:04
